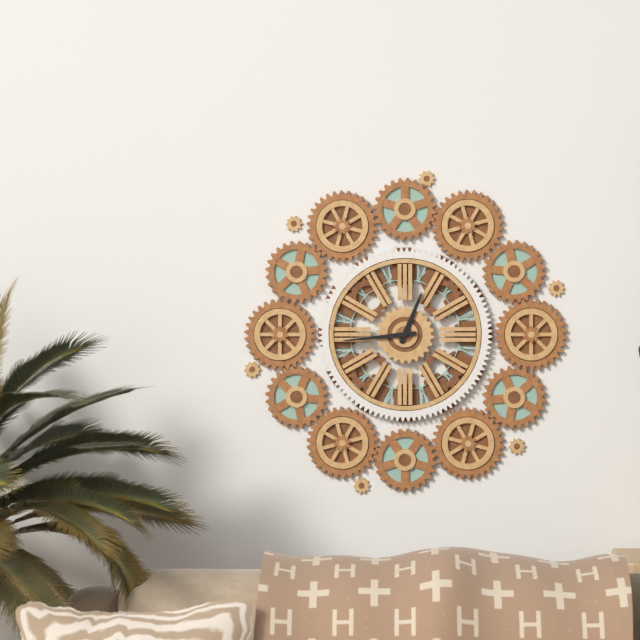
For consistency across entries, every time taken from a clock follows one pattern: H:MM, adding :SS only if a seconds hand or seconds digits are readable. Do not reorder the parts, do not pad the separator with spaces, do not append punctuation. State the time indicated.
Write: 12:44
